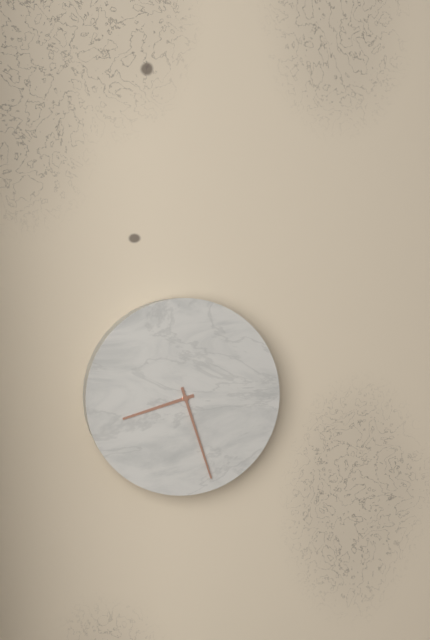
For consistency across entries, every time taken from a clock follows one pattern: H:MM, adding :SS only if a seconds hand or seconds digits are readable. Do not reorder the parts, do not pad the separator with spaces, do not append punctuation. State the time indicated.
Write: 8:27
